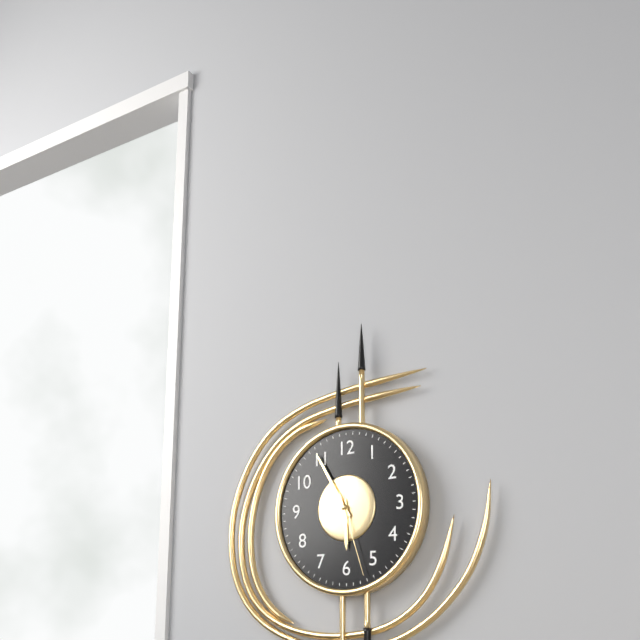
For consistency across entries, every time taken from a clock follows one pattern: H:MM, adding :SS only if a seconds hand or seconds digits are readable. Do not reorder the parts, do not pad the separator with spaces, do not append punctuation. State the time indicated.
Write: 5:55:27
